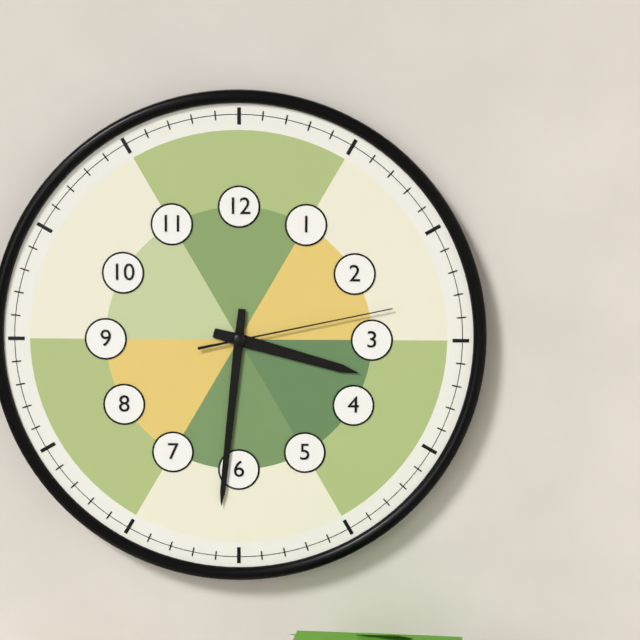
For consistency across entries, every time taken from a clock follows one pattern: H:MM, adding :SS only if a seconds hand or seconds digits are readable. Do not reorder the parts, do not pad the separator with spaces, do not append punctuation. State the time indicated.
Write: 3:31:13
